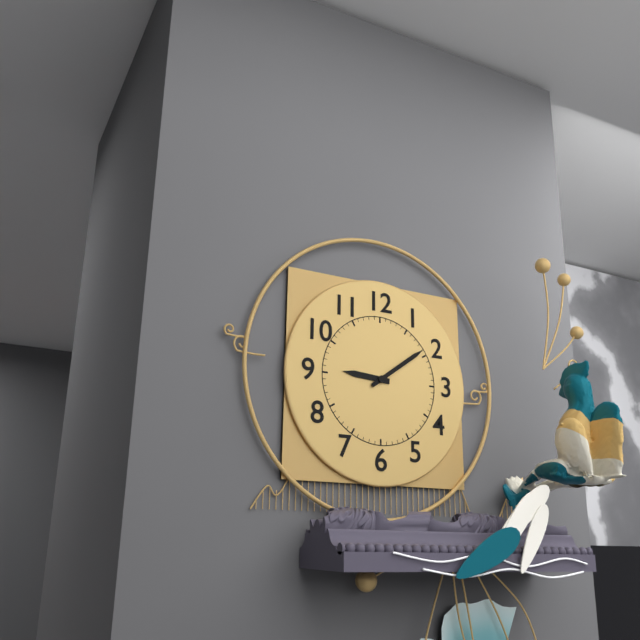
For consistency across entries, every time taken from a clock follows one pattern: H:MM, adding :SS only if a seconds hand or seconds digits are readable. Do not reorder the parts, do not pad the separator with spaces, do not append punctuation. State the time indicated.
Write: 9:09
